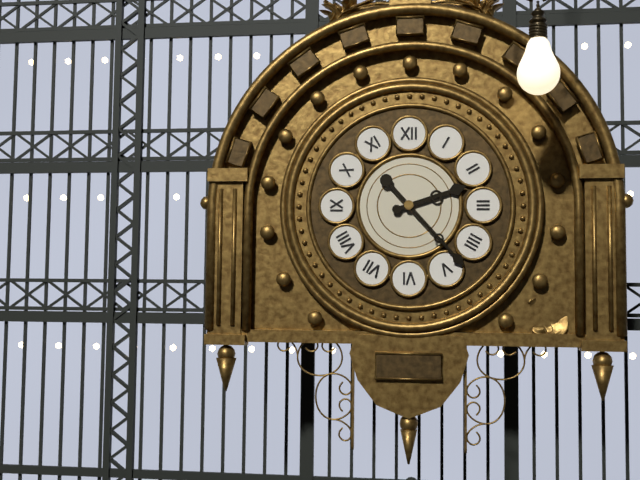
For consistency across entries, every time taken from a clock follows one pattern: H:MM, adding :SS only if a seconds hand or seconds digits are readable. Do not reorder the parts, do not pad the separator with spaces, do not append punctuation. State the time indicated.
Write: 2:23
